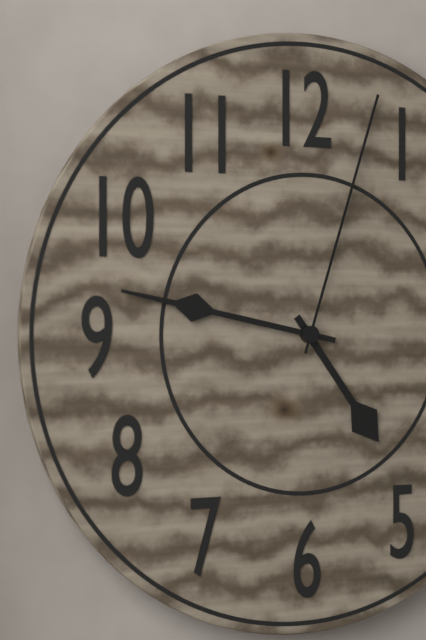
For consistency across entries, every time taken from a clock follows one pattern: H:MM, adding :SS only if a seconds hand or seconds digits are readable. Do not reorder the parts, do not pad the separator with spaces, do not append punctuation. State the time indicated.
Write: 4:47:03
